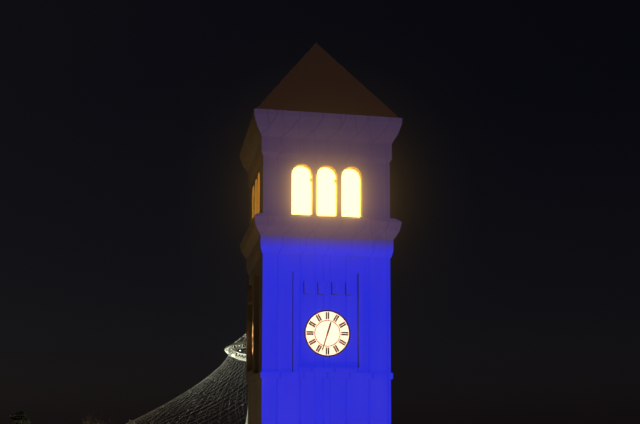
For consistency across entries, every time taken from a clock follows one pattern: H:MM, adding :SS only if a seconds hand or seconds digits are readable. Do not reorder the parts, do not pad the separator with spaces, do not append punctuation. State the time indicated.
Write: 12:33
